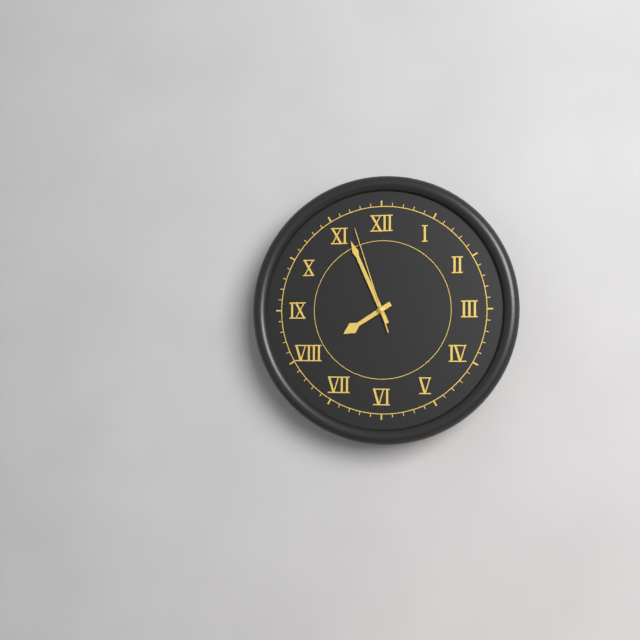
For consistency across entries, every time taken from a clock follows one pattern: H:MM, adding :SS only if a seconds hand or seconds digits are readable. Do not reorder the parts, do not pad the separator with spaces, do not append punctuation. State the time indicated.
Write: 7:56:57
